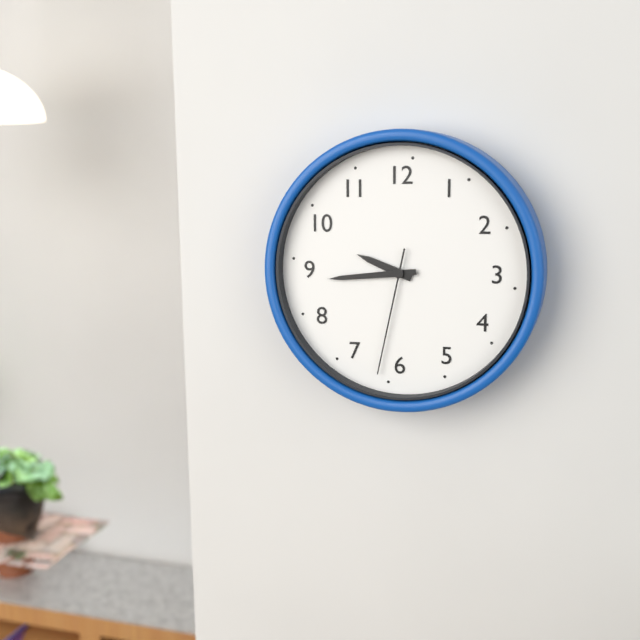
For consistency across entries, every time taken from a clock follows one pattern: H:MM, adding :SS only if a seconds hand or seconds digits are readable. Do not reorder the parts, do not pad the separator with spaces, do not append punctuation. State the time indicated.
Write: 9:44:32
